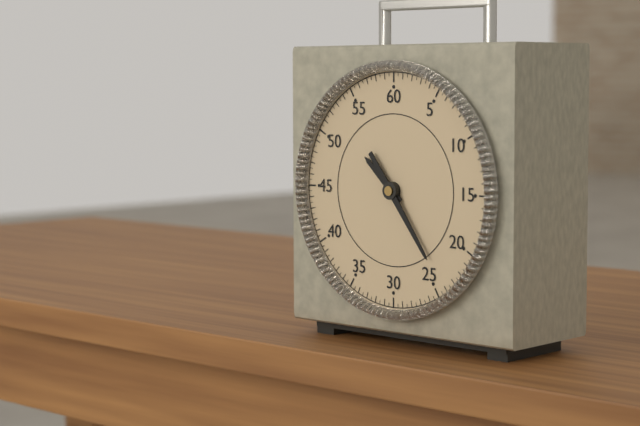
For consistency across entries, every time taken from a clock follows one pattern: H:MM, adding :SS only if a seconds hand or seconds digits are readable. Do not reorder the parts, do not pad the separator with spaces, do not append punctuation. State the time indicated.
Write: 10:24
